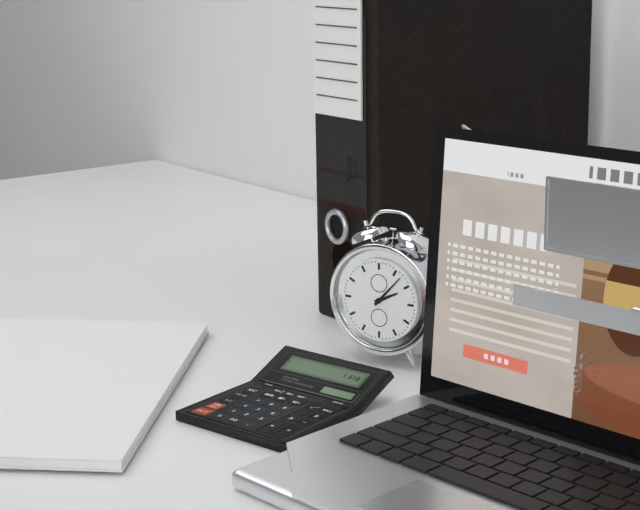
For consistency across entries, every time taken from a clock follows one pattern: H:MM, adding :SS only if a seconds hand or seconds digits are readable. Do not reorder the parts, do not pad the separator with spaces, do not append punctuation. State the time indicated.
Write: 2:07
